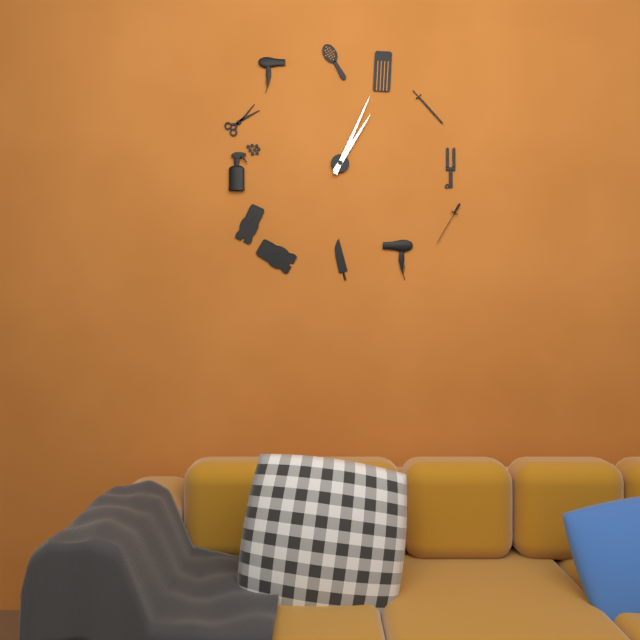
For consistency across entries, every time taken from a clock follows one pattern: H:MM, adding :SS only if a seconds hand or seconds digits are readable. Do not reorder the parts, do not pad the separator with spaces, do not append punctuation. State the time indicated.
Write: 1:04
